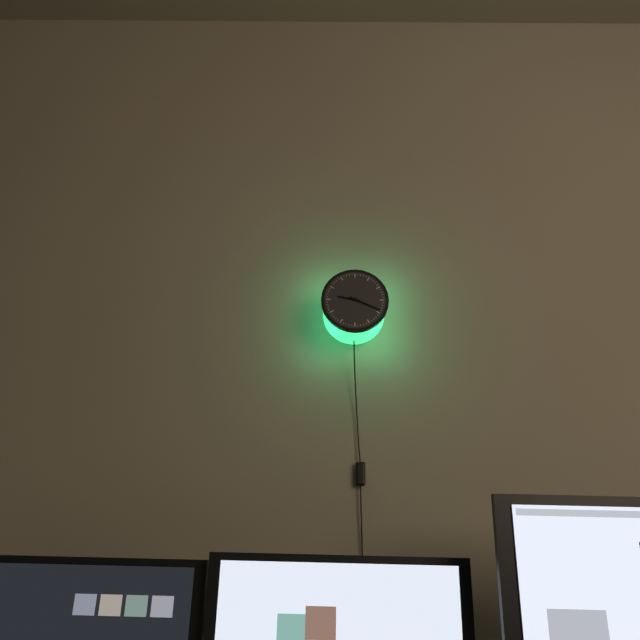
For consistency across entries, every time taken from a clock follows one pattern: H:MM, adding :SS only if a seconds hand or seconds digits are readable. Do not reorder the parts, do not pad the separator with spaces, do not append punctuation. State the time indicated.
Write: 9:19
